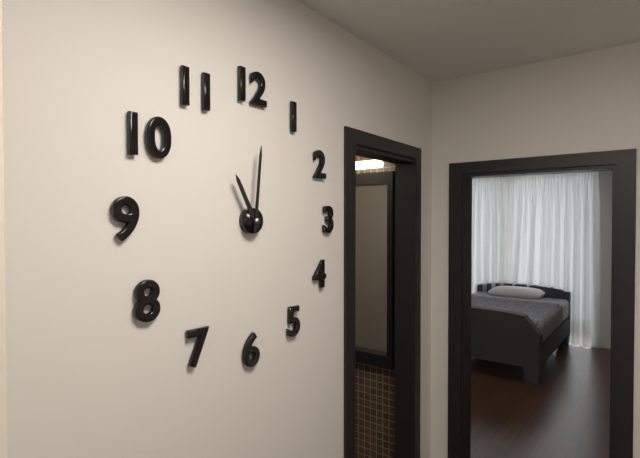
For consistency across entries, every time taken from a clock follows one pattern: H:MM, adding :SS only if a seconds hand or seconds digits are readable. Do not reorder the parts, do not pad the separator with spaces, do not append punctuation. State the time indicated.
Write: 11:01
